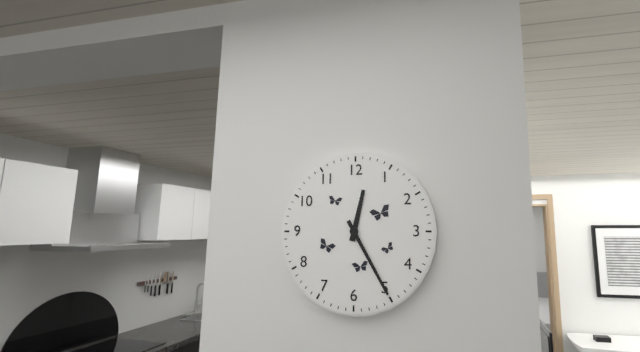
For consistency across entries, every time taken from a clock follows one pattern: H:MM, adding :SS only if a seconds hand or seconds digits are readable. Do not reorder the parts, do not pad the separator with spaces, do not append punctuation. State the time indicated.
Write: 12:25
